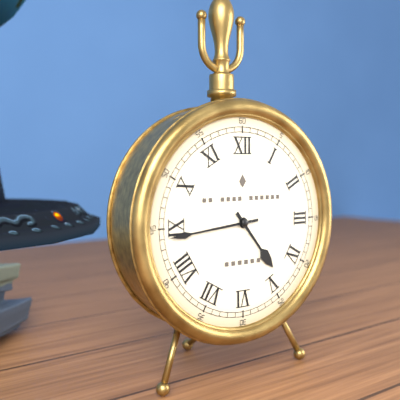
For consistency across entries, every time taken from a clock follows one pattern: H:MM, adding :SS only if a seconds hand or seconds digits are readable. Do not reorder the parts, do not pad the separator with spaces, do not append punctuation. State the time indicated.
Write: 4:44
